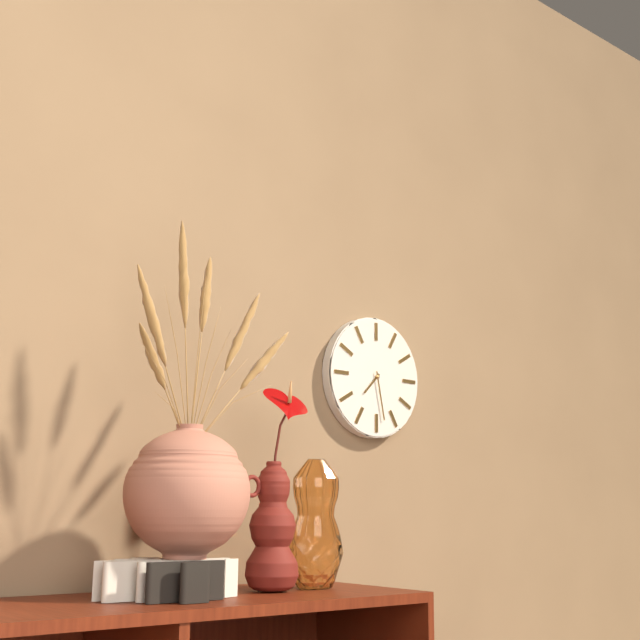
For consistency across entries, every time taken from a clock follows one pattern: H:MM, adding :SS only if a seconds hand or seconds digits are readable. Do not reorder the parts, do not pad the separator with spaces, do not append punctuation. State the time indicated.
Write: 7:28
